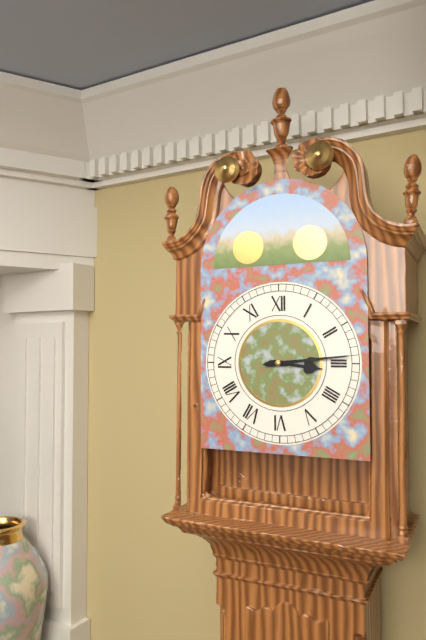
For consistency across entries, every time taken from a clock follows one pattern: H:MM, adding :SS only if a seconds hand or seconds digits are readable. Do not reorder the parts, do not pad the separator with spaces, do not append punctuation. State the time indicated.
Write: 3:14
